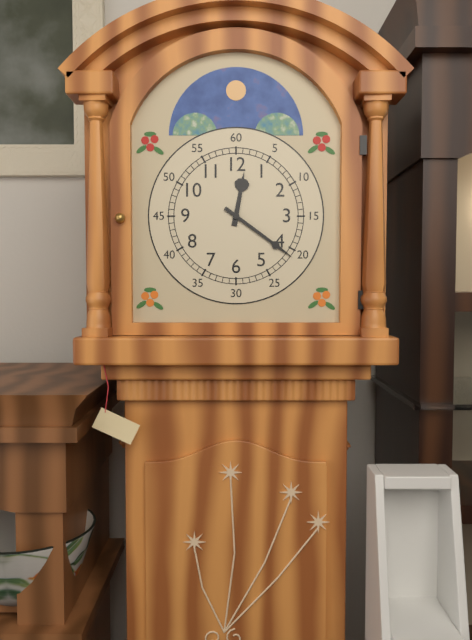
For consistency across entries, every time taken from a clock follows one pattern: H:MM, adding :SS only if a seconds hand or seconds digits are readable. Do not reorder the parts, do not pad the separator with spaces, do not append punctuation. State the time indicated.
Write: 12:21
